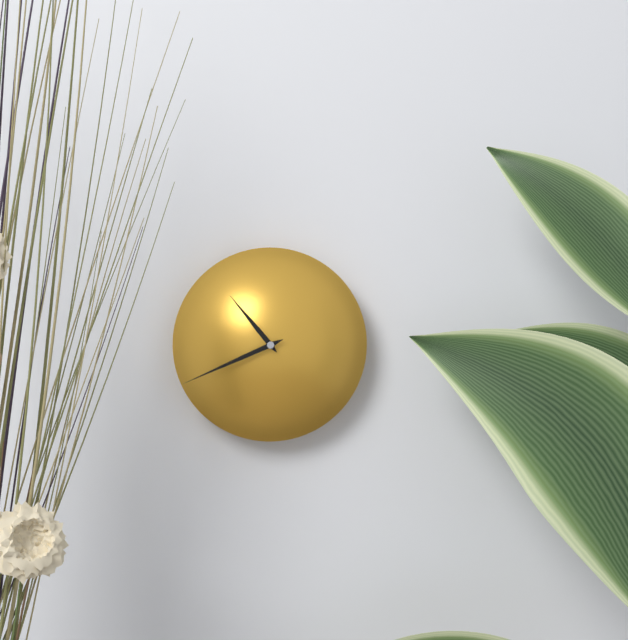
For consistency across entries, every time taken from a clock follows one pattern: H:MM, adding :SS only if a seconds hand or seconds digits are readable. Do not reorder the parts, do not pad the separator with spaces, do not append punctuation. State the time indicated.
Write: 10:41
